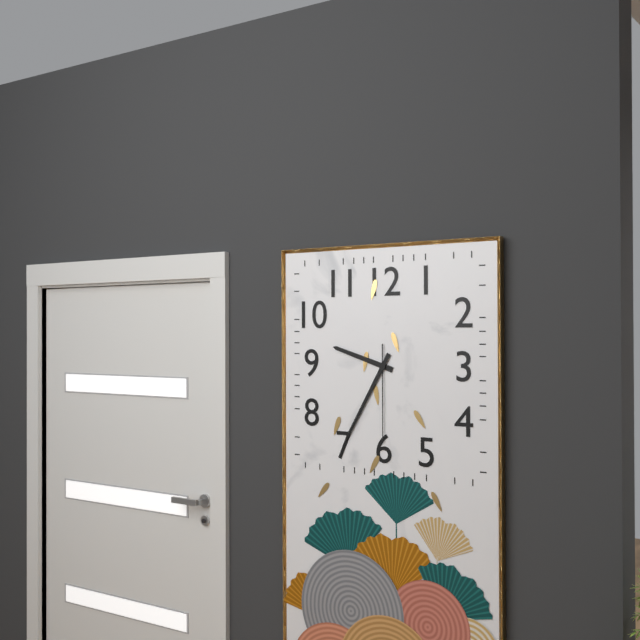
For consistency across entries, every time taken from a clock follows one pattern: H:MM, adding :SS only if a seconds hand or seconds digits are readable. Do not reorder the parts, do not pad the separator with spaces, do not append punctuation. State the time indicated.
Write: 9:35:30
